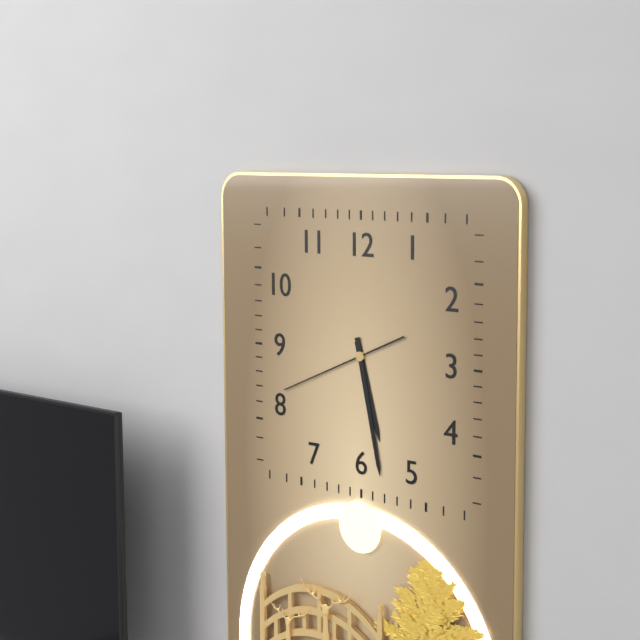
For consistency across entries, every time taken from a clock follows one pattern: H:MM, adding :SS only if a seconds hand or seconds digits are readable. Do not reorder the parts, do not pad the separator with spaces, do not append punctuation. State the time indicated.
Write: 5:28:41
